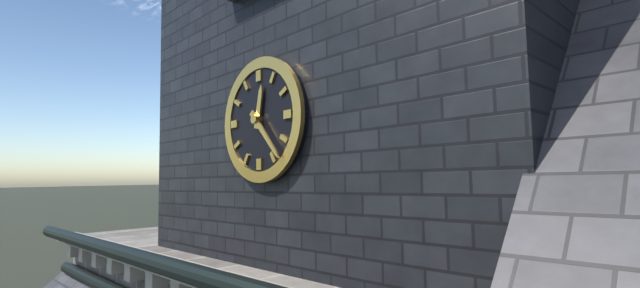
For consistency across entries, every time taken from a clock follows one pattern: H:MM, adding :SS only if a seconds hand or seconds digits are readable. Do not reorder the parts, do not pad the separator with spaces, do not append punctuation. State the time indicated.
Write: 12:23
